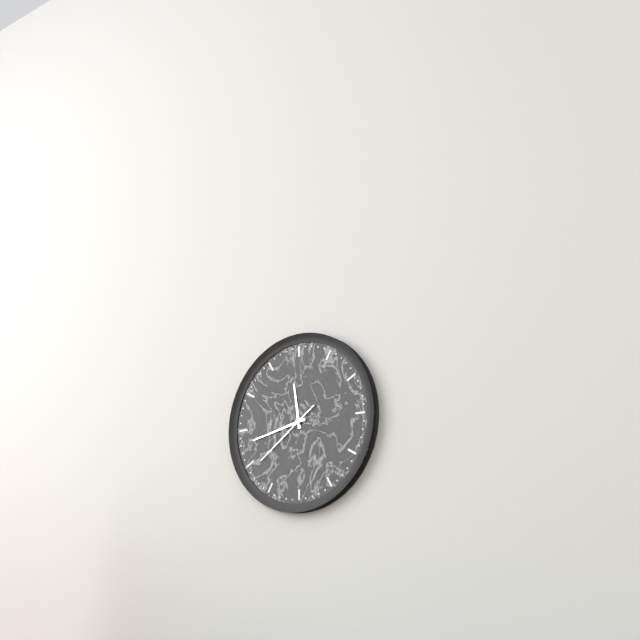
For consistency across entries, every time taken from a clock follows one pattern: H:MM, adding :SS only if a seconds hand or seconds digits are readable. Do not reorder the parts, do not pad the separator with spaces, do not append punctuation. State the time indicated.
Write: 11:43:39
